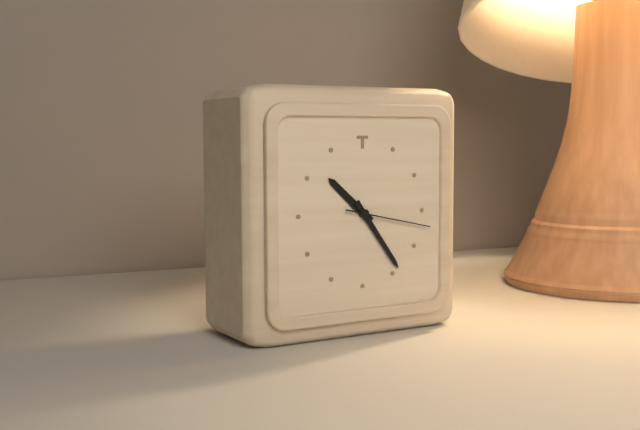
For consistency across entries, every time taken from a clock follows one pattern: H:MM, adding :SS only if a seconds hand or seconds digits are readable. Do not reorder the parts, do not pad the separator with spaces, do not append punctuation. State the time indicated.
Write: 10:24:17
